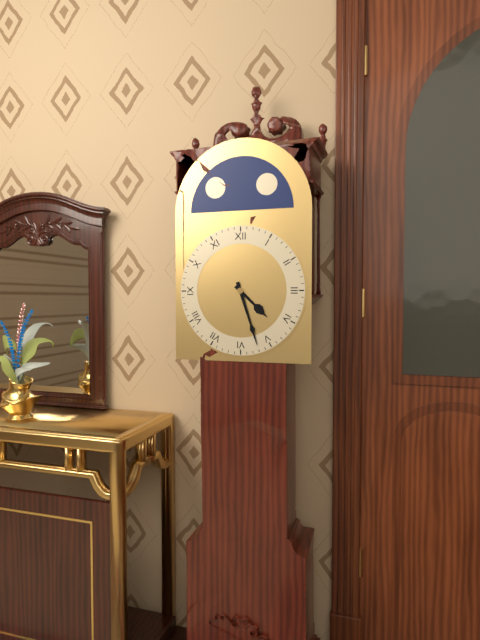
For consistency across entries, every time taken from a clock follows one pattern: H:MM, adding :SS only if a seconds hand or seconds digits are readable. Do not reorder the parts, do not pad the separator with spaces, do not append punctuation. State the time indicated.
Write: 4:27
